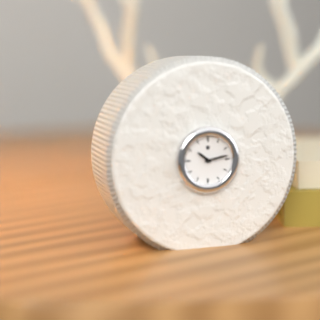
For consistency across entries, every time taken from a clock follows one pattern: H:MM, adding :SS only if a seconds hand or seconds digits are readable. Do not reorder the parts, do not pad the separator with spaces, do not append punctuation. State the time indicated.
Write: 10:13
